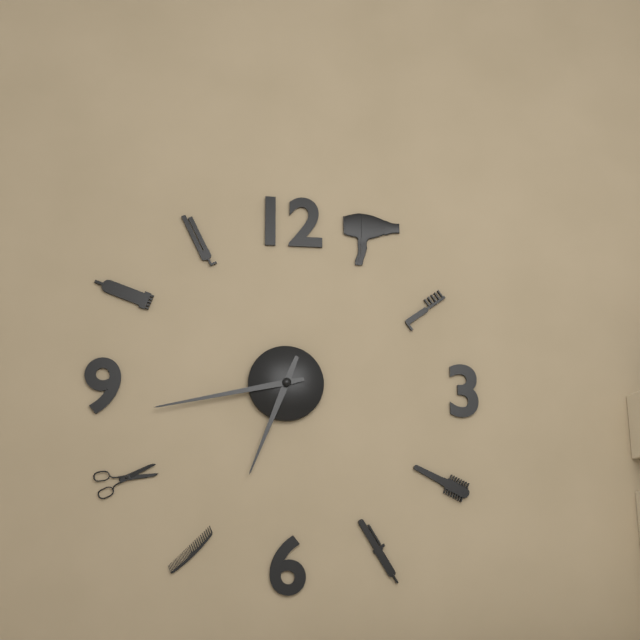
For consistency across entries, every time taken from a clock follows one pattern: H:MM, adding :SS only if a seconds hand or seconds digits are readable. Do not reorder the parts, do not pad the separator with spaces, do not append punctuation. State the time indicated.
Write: 6:43
